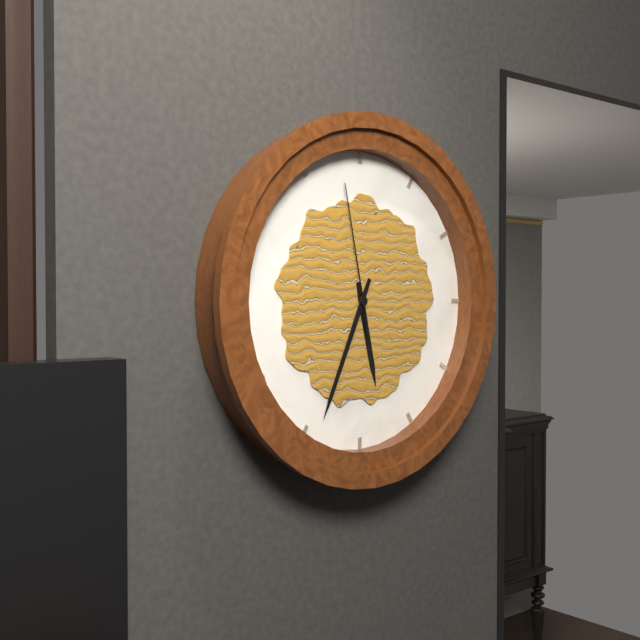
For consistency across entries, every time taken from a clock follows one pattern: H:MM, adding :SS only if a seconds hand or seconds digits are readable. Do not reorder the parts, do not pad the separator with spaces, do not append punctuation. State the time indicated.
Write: 5:34:58
